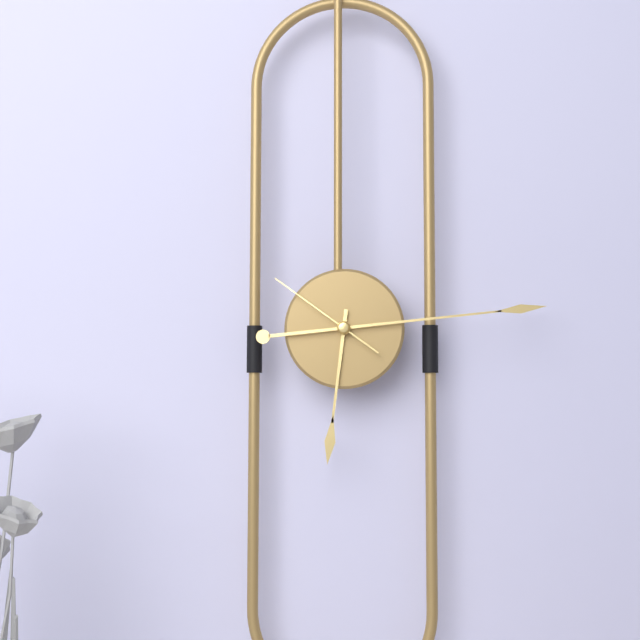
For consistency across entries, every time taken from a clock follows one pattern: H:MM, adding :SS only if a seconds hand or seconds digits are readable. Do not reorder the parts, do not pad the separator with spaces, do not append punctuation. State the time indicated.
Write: 6:14:51
